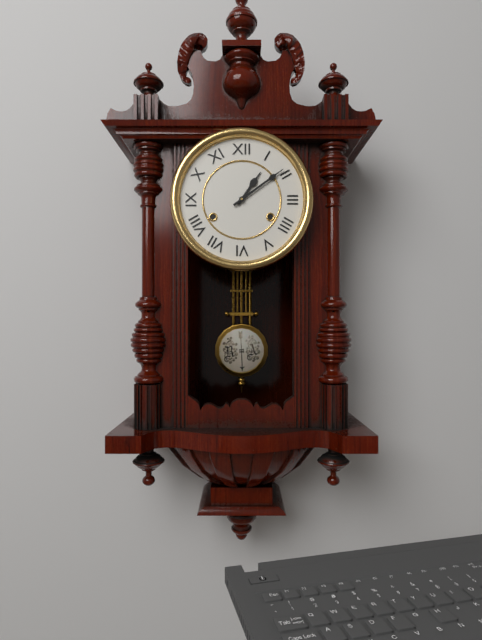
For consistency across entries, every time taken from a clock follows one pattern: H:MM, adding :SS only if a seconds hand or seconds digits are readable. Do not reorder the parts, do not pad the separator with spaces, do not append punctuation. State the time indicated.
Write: 1:09
